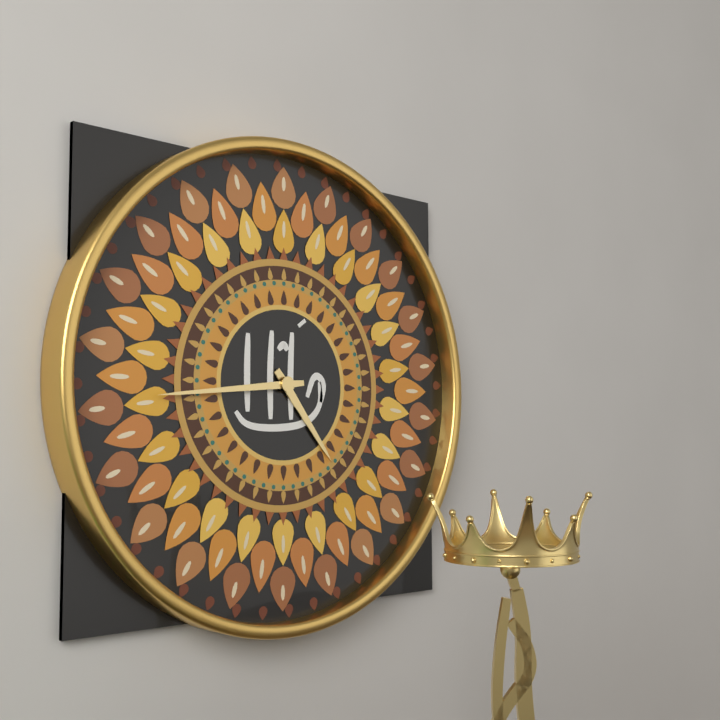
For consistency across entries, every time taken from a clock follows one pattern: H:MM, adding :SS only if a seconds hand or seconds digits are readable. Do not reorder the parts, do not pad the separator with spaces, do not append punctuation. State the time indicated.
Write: 4:44
